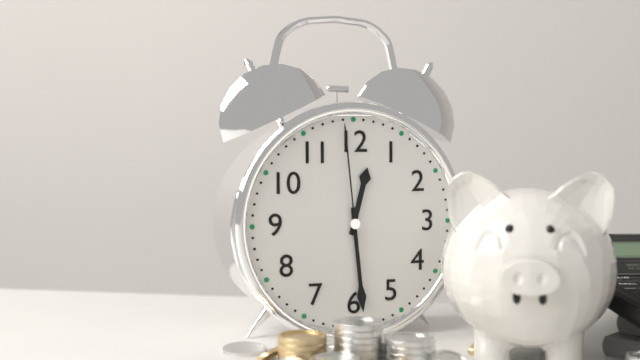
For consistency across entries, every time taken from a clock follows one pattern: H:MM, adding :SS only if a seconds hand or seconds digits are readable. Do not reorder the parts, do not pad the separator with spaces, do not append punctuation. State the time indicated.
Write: 12:29:59
